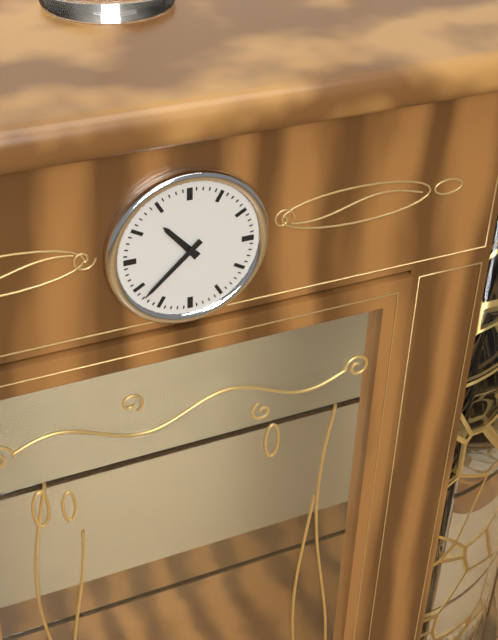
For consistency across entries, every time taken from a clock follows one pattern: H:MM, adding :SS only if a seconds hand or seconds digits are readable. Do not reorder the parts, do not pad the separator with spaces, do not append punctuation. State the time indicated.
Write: 10:38
